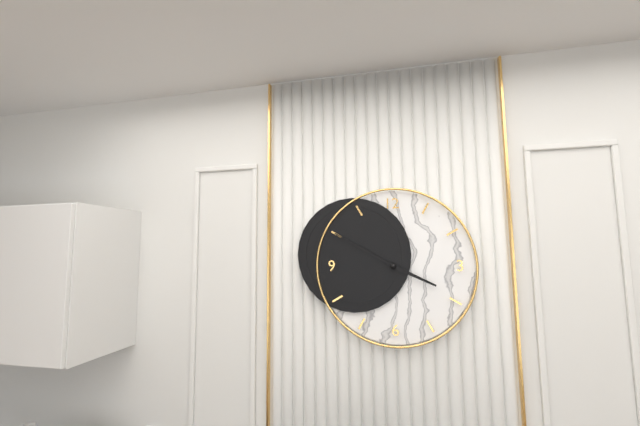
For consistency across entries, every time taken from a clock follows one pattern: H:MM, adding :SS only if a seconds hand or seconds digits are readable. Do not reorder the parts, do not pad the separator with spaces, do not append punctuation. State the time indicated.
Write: 3:50
